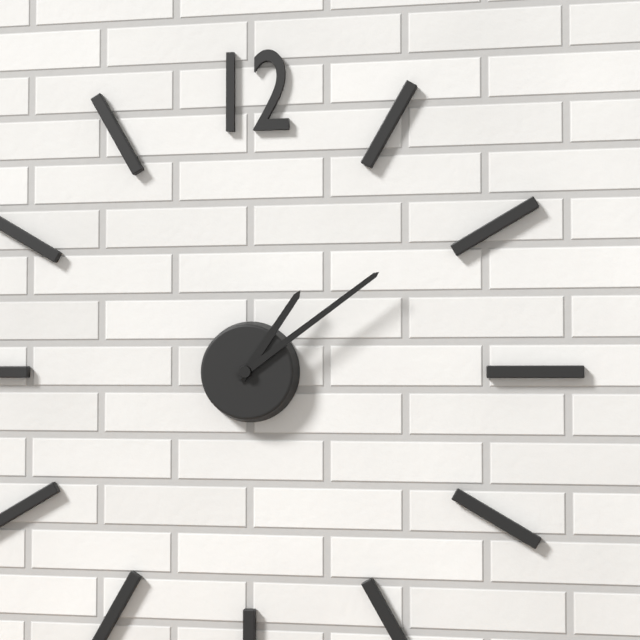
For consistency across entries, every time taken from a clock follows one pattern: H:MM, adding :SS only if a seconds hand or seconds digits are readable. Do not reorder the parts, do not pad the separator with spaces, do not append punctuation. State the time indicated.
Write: 1:09
